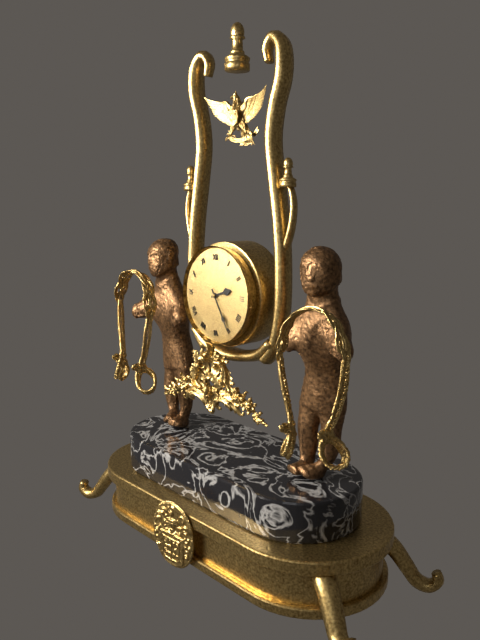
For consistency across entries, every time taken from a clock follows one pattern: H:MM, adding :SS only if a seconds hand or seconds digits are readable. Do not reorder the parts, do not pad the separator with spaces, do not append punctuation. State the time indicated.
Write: 2:25
